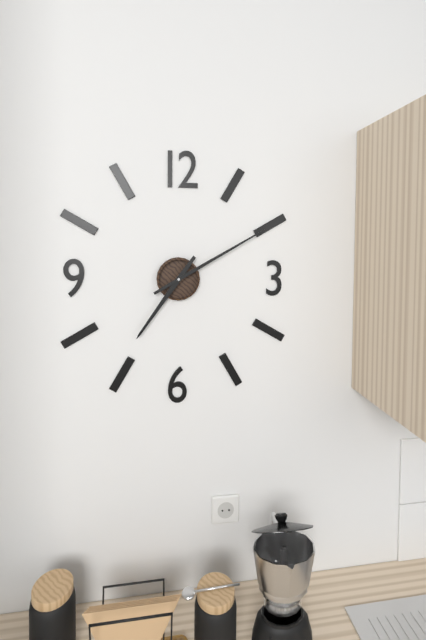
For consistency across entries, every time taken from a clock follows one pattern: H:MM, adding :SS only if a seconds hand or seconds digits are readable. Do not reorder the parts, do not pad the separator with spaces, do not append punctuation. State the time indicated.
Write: 7:10
